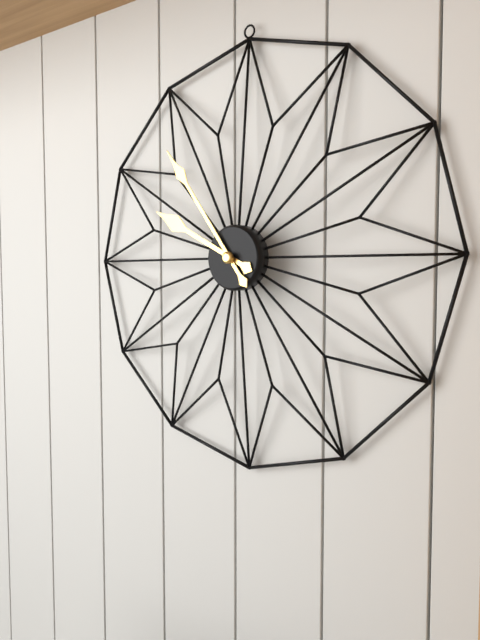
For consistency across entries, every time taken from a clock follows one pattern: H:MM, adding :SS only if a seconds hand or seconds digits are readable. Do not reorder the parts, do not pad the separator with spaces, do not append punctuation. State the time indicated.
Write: 9:54
